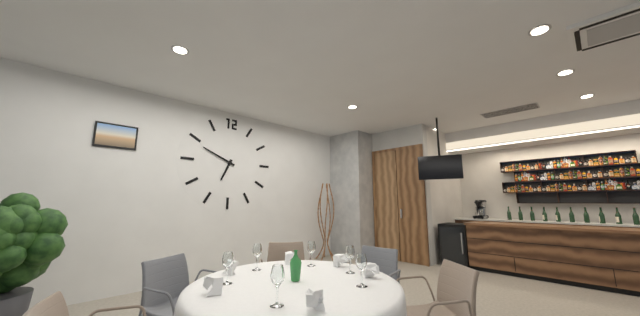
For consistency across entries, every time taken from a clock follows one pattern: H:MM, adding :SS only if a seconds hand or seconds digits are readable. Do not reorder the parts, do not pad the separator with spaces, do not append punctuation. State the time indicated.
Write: 6:49
